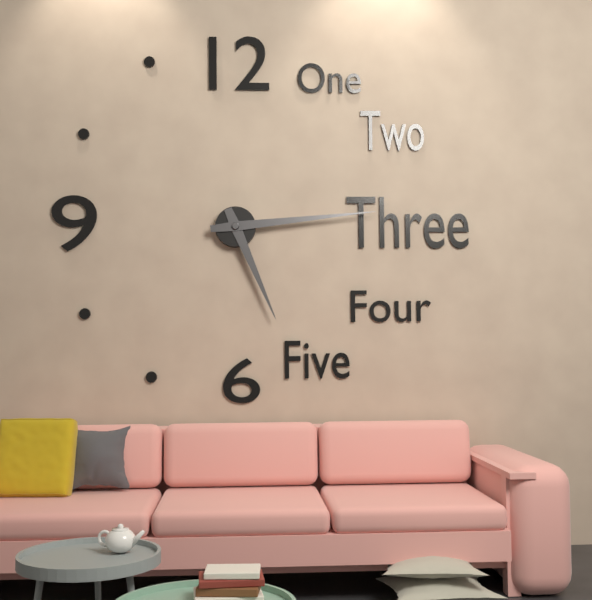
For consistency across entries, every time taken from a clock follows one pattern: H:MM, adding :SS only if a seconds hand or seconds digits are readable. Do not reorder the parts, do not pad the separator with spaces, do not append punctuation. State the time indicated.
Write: 5:14
